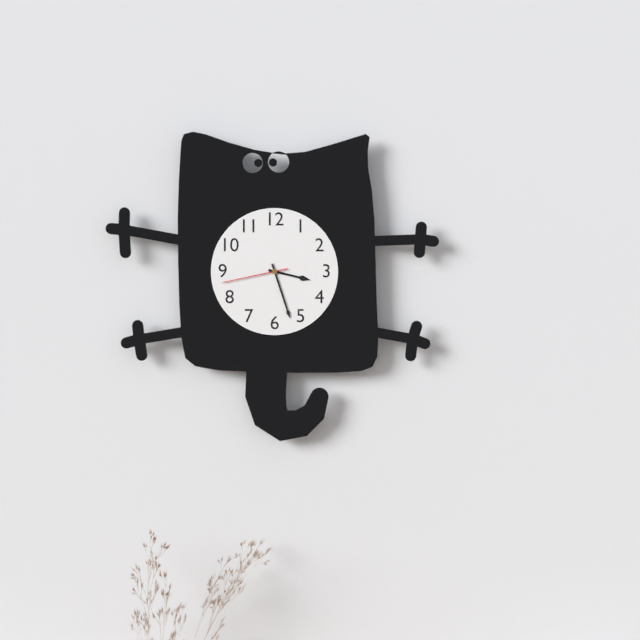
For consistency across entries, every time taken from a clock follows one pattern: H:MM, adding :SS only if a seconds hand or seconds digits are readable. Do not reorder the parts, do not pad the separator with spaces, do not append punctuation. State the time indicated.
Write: 3:27:43
